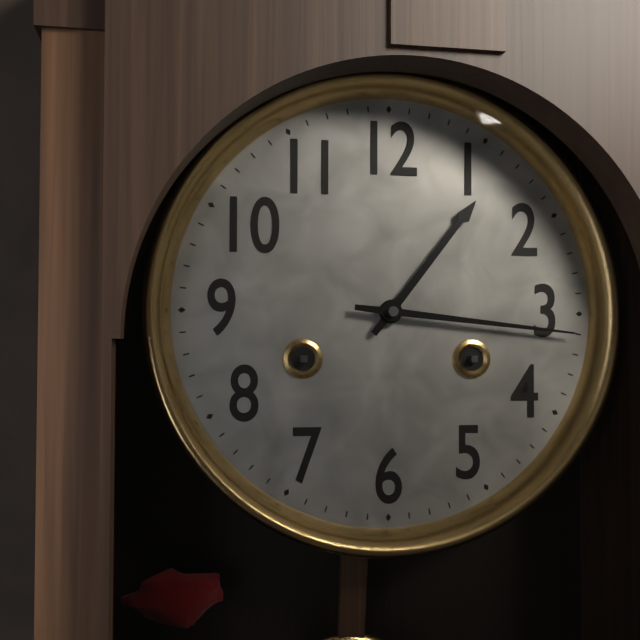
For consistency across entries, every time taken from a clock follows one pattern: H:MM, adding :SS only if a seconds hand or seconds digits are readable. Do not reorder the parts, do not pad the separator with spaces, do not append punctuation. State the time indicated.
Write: 1:16
